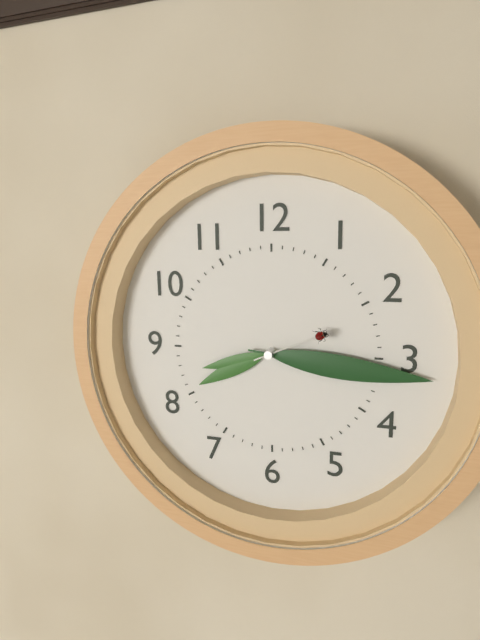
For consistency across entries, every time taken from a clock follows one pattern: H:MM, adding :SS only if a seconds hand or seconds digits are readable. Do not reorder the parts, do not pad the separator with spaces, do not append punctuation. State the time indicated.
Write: 8:16:11
